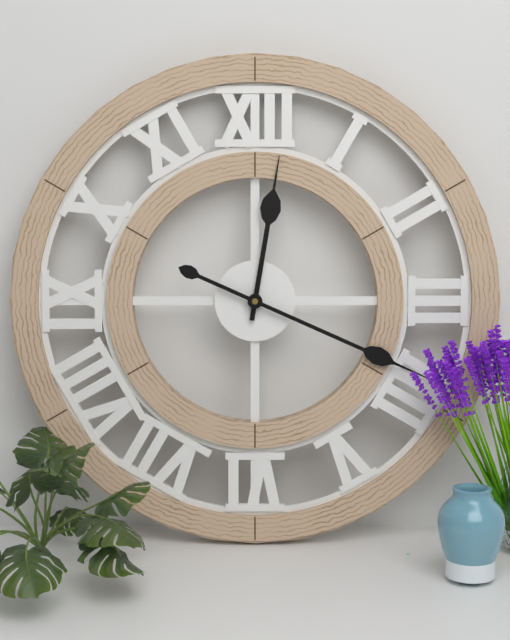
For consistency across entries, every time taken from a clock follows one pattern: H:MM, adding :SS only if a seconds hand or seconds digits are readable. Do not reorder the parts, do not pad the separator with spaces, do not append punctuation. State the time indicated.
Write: 12:19
